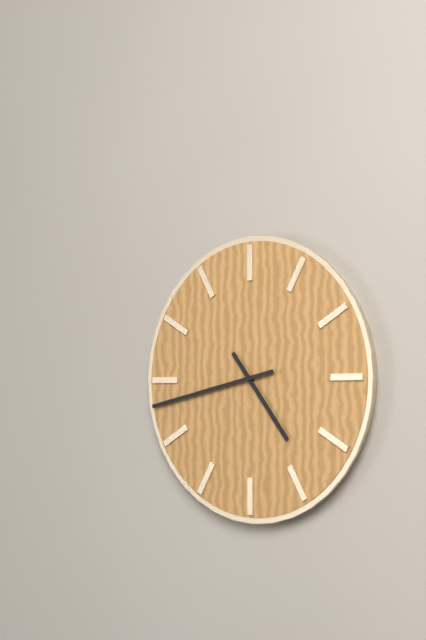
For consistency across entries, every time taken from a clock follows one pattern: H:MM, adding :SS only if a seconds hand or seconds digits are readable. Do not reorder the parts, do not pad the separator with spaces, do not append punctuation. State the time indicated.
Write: 4:43
